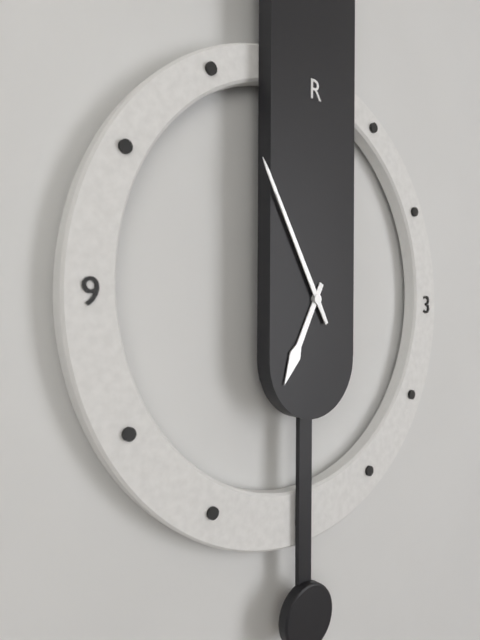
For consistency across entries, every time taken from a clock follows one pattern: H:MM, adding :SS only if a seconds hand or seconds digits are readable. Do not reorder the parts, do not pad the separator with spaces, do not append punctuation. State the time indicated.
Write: 6:55
